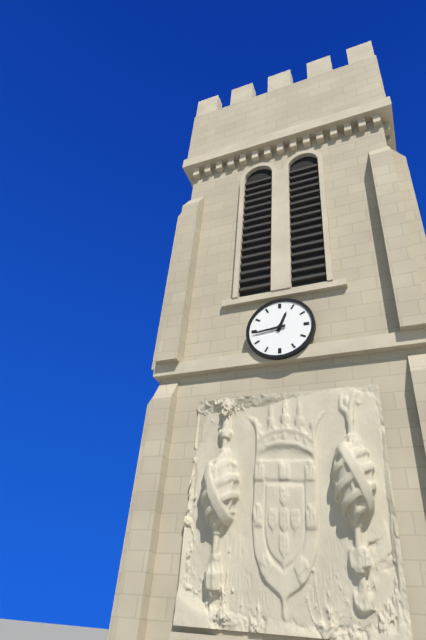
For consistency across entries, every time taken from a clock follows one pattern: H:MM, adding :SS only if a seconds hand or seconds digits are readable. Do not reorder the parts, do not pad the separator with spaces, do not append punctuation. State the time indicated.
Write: 12:44
